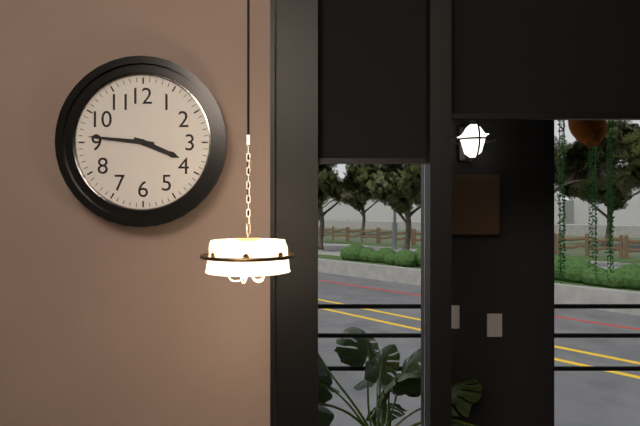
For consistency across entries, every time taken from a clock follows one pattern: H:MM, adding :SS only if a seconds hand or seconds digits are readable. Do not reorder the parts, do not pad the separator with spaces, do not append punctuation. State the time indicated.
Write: 3:46
